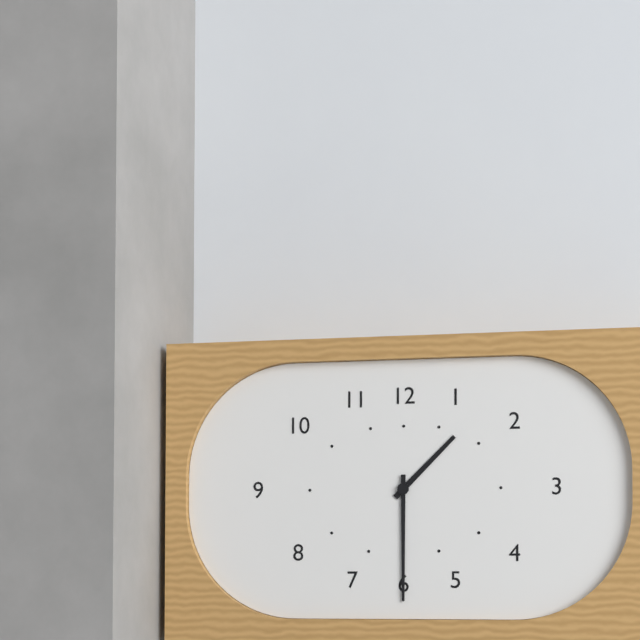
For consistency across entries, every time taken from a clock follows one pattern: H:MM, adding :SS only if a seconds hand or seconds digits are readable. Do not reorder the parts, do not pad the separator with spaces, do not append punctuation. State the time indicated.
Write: 1:30
